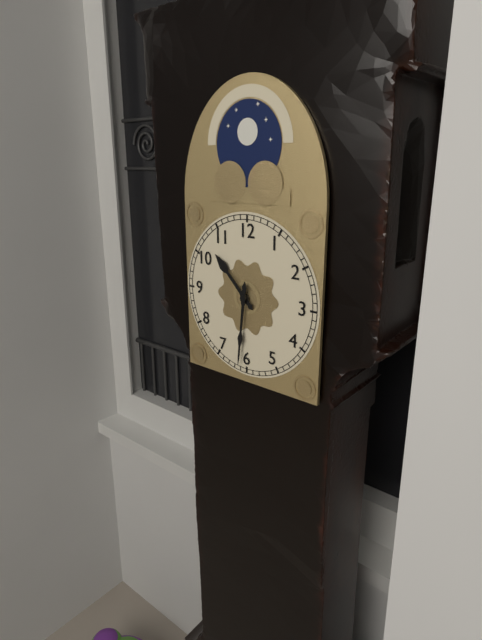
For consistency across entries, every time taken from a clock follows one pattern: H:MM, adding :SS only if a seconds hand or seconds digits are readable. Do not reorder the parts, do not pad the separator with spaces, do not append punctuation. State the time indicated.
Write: 10:31
